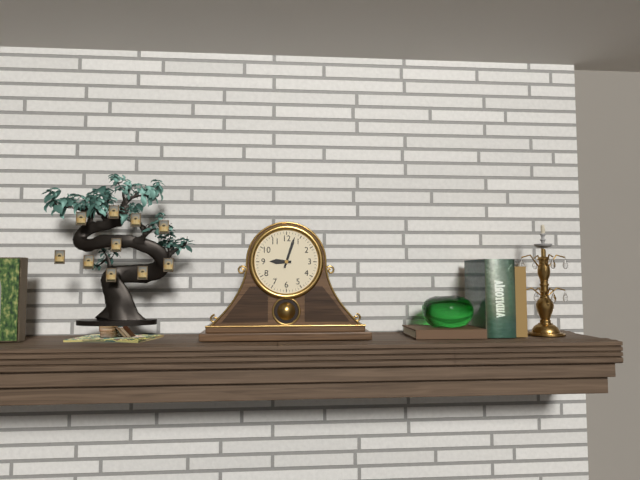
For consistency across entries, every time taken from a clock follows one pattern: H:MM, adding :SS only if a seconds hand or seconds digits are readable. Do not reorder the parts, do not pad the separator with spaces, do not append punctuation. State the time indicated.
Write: 9:03
